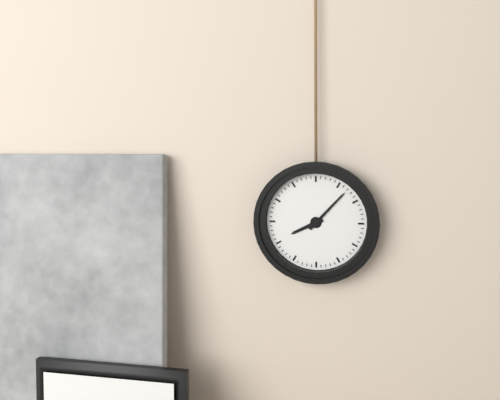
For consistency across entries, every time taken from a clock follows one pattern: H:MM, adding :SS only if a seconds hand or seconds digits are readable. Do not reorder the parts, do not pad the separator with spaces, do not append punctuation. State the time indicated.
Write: 8:07
